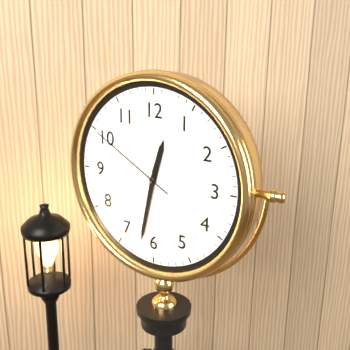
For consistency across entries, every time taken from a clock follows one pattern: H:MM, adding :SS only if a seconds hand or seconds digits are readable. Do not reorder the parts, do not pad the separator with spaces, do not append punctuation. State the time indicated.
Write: 12:32:50
